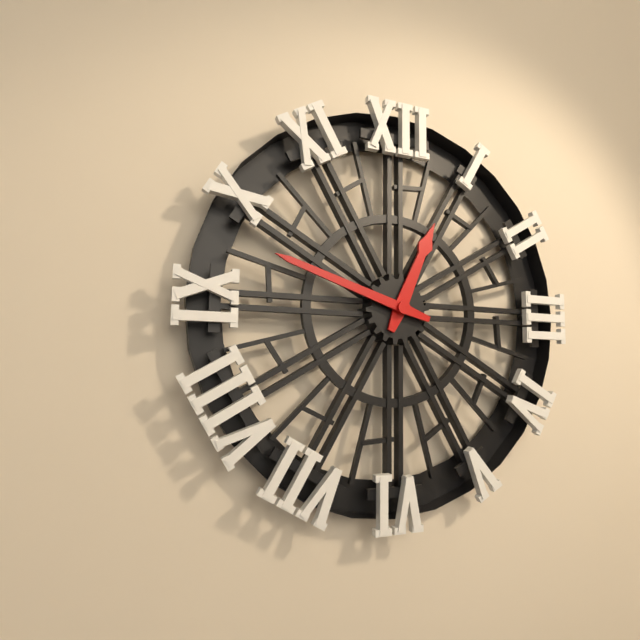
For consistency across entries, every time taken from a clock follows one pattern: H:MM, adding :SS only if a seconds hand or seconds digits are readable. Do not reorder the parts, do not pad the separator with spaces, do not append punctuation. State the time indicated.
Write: 12:48
